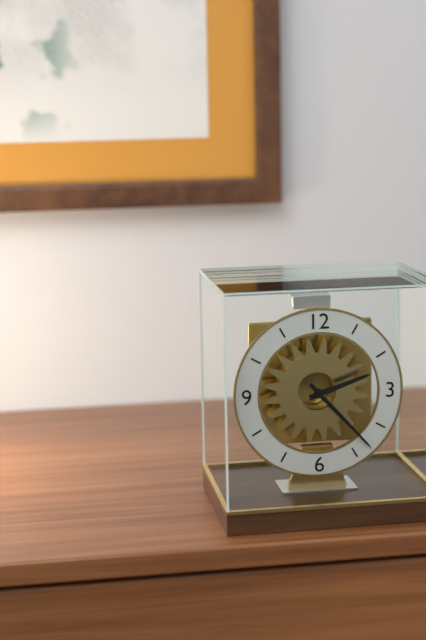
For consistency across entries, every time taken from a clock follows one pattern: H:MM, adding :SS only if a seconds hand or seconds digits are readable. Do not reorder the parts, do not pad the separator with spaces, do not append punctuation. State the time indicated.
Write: 2:23
